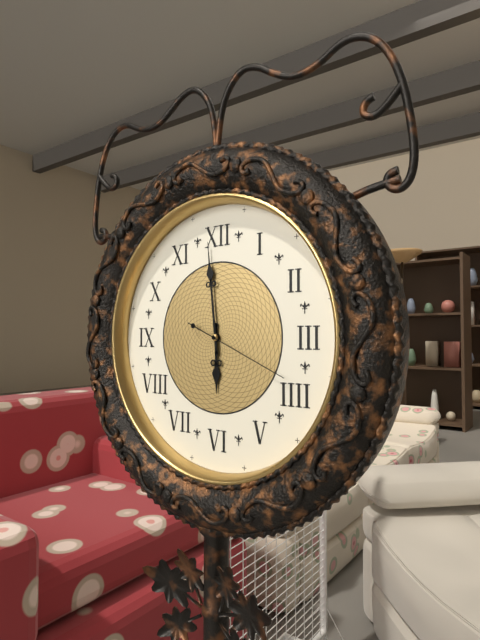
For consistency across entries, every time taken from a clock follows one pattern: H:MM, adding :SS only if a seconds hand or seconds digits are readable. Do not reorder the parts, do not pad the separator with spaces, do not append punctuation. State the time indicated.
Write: 5:59:19
